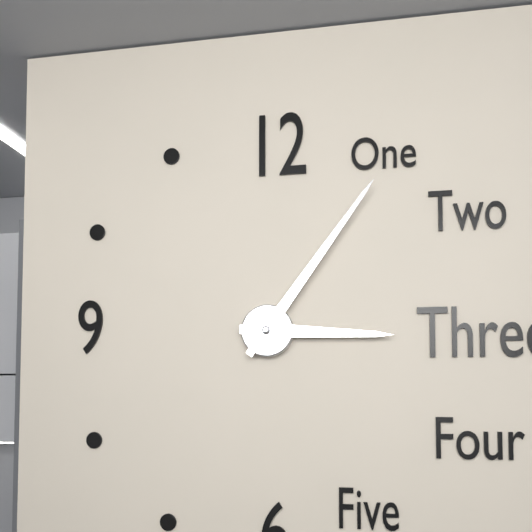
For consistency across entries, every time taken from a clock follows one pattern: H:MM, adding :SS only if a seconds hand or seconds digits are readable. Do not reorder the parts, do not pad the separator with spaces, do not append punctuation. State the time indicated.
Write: 3:06
